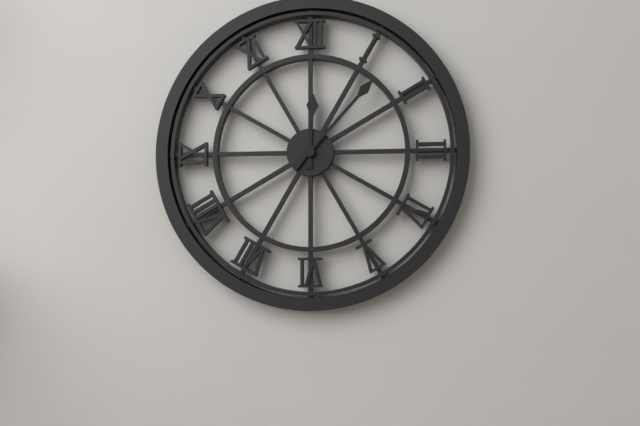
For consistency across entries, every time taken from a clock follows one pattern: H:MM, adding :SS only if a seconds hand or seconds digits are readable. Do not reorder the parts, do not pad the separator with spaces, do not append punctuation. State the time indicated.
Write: 12:07
